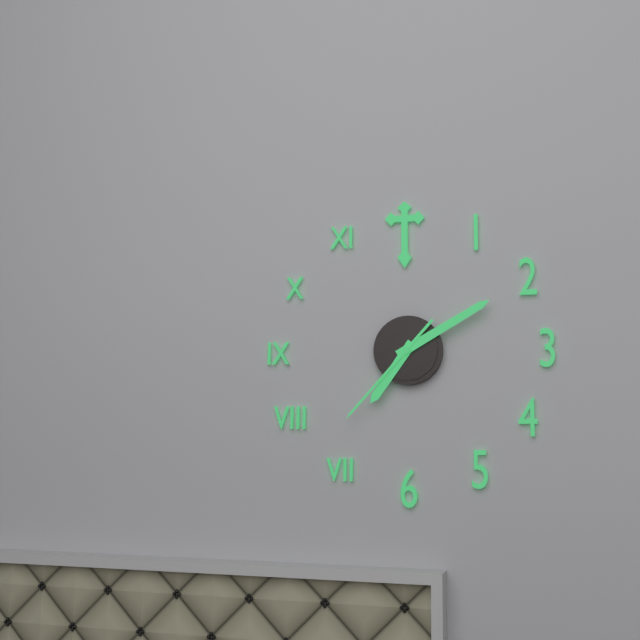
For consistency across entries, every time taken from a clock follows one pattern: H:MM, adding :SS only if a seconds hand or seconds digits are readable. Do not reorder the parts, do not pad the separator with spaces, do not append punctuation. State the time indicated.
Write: 7:10:37
